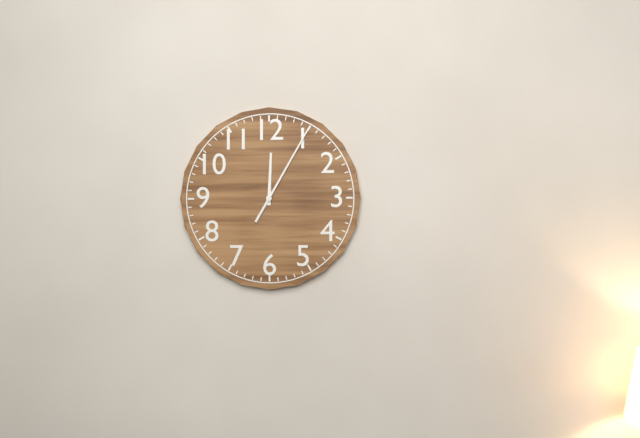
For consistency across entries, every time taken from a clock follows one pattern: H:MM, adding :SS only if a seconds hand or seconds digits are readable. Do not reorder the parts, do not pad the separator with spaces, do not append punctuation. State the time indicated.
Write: 12:05
